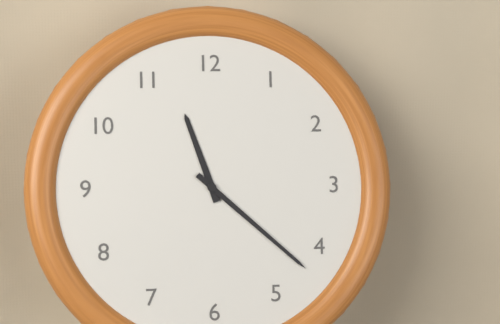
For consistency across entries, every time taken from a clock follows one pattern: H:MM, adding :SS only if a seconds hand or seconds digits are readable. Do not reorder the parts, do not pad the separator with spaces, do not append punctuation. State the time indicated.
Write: 11:22
